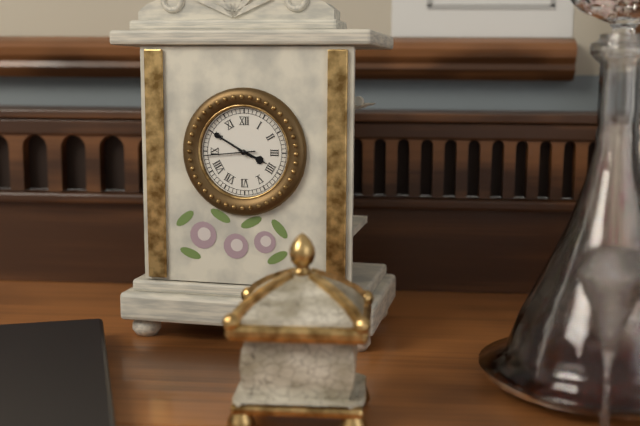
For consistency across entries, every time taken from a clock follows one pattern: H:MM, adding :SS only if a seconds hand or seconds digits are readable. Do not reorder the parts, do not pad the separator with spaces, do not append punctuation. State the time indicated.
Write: 3:50:44
